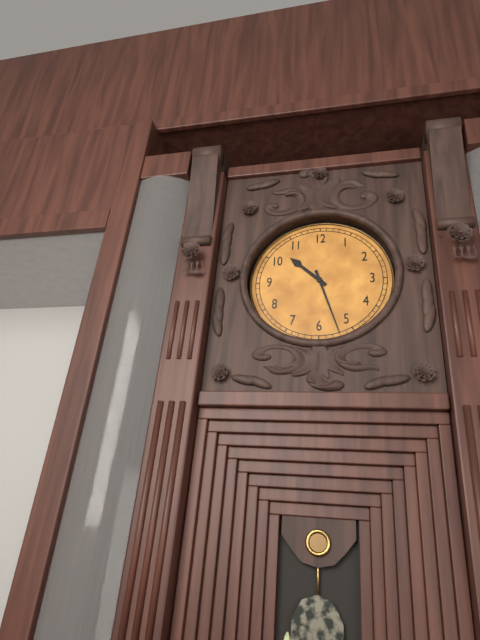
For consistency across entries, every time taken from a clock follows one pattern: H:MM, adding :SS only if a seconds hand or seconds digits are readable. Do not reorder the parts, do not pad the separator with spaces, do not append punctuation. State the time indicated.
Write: 10:27
